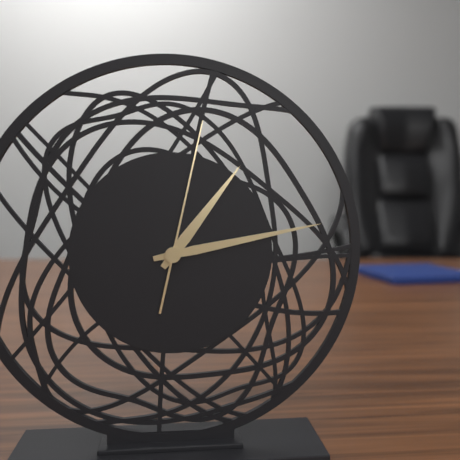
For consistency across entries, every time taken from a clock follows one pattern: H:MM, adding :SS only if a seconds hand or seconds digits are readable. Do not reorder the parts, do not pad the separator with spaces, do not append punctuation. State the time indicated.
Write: 1:13:02
